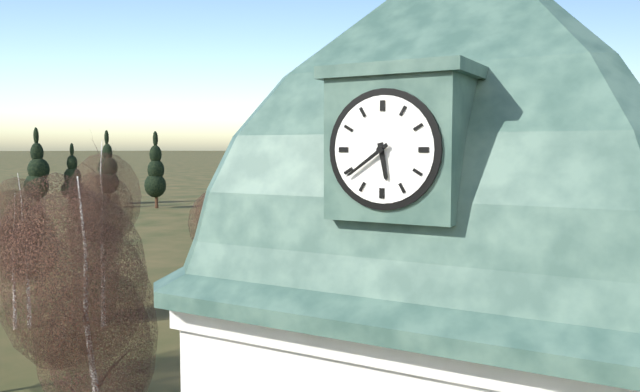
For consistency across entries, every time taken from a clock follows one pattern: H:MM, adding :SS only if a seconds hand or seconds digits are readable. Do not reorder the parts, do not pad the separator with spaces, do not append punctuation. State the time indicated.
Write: 5:39
